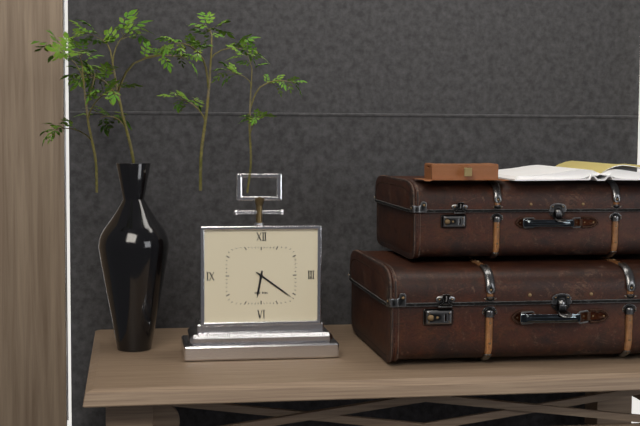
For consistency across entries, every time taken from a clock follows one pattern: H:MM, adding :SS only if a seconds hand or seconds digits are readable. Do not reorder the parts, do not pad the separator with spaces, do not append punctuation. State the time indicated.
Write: 6:21
